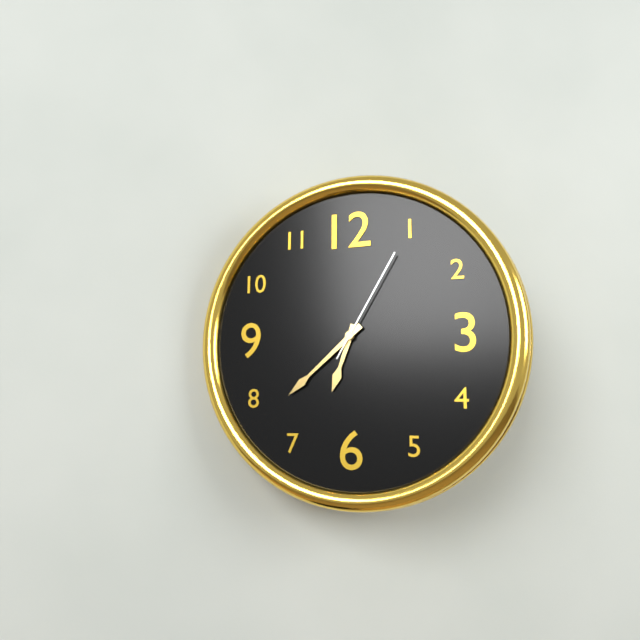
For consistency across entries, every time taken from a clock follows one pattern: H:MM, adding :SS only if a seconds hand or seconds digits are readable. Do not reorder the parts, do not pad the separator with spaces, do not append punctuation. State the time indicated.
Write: 6:38:05
